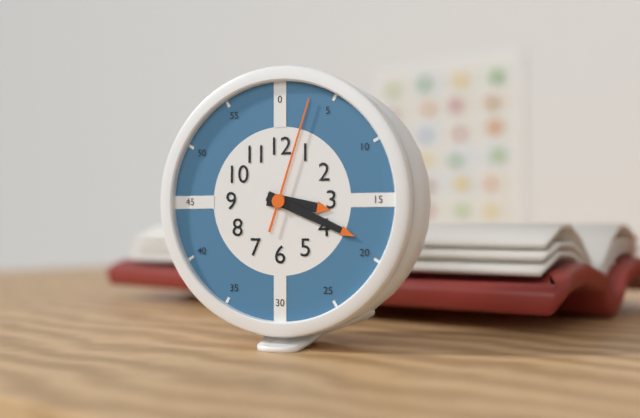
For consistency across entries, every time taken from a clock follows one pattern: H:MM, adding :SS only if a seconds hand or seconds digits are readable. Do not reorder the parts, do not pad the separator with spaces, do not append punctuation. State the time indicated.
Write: 3:19:03
